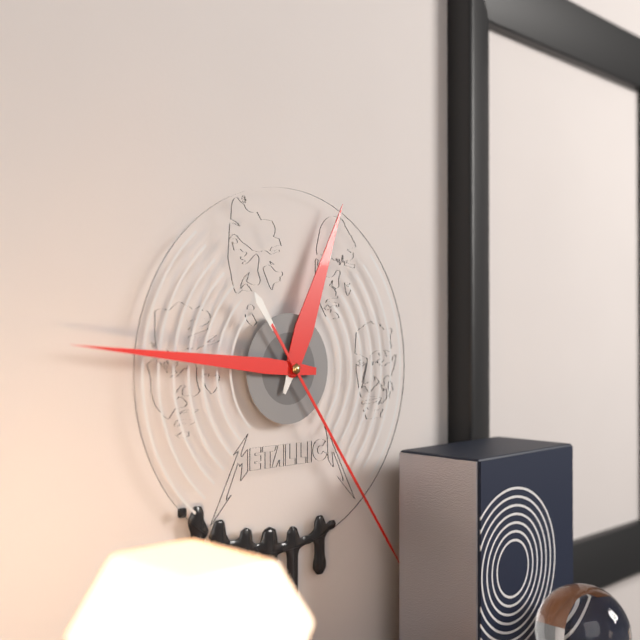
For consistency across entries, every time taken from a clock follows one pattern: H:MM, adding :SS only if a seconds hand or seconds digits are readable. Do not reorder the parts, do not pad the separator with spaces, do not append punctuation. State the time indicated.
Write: 12:46:24
